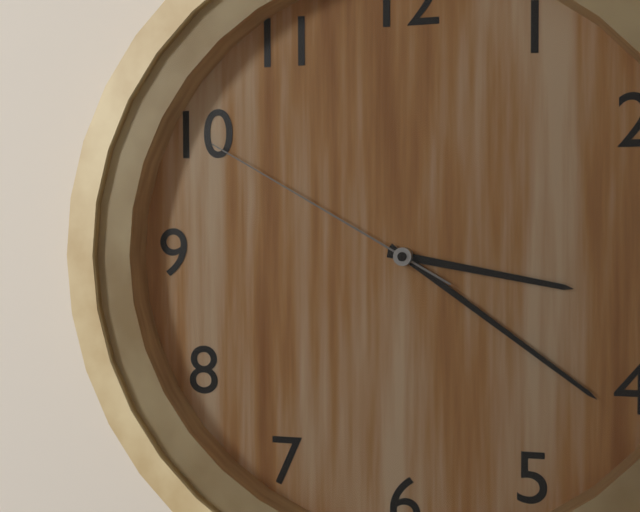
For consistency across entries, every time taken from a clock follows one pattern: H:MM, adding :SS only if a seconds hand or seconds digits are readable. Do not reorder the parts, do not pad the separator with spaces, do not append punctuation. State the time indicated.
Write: 3:21:50
